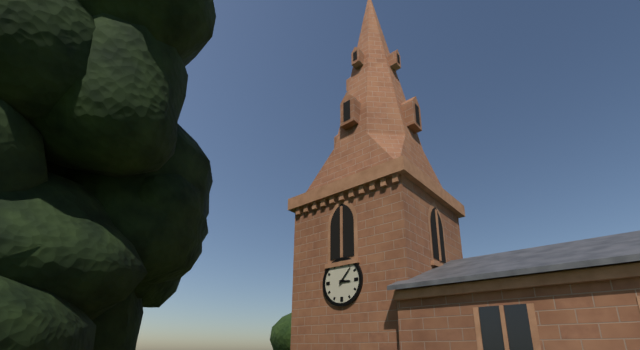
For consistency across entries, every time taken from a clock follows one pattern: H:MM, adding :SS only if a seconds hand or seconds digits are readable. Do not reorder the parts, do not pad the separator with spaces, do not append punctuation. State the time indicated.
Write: 3:07
